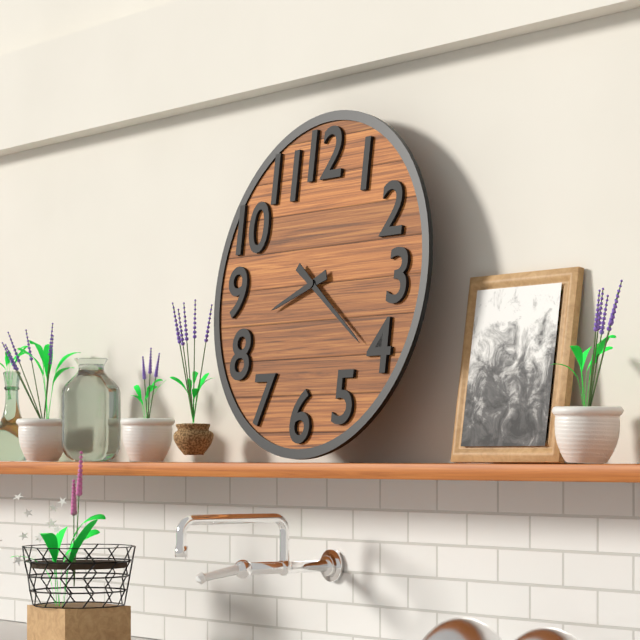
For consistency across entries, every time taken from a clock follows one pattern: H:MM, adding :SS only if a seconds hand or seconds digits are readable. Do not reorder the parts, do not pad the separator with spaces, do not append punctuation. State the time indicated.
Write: 8:21
